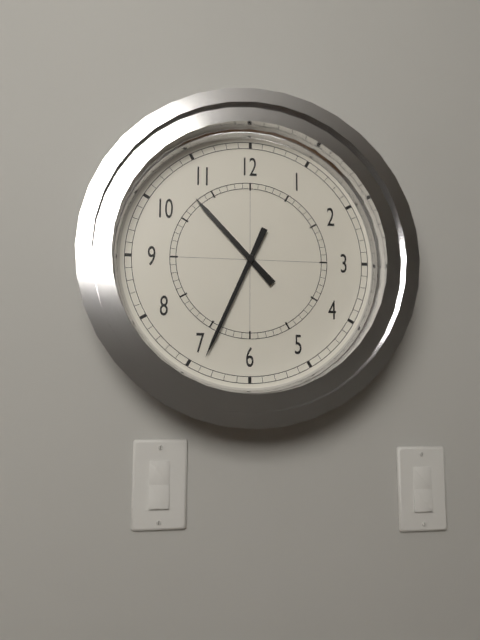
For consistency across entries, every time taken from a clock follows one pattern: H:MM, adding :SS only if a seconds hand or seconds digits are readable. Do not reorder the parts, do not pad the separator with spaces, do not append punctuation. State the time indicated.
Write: 10:34
